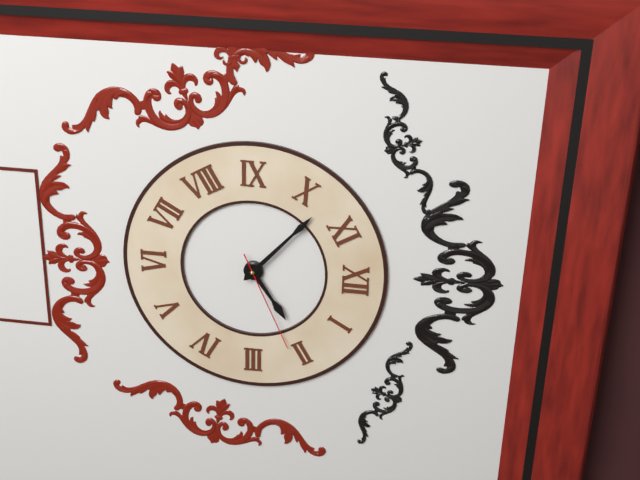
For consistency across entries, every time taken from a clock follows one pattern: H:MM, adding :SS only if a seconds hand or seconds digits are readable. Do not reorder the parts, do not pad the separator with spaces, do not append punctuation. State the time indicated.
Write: 1:52:11
